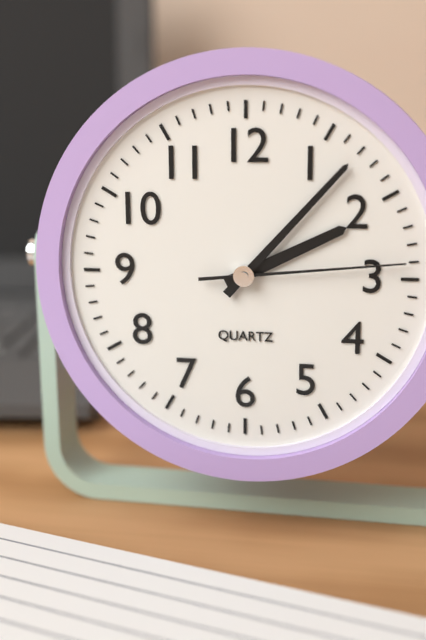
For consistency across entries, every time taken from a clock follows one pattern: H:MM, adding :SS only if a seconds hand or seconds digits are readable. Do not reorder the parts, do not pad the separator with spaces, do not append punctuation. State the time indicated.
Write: 2:07:14
